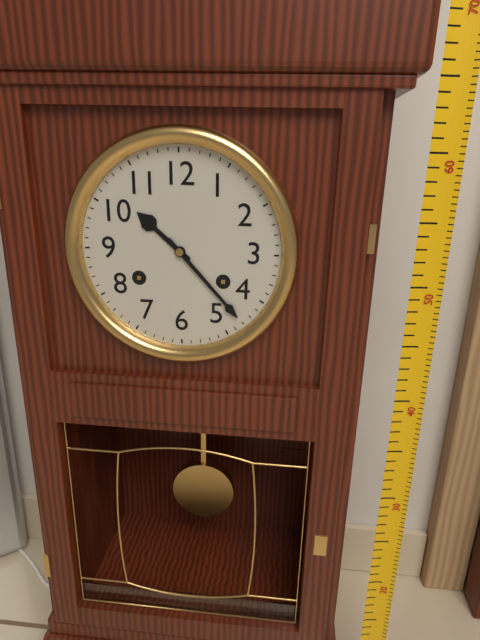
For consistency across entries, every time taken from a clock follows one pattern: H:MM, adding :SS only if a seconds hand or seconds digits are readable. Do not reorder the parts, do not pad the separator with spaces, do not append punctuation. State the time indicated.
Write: 10:23
